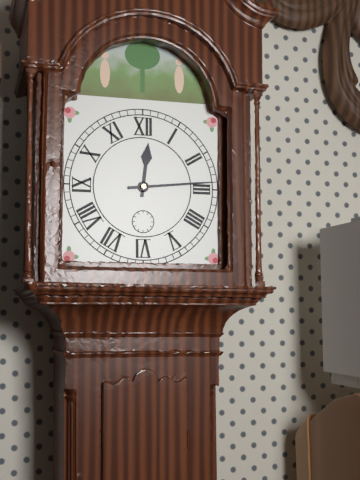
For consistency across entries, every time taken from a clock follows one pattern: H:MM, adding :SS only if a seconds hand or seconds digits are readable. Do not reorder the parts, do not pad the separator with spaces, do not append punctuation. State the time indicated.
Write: 12:14
